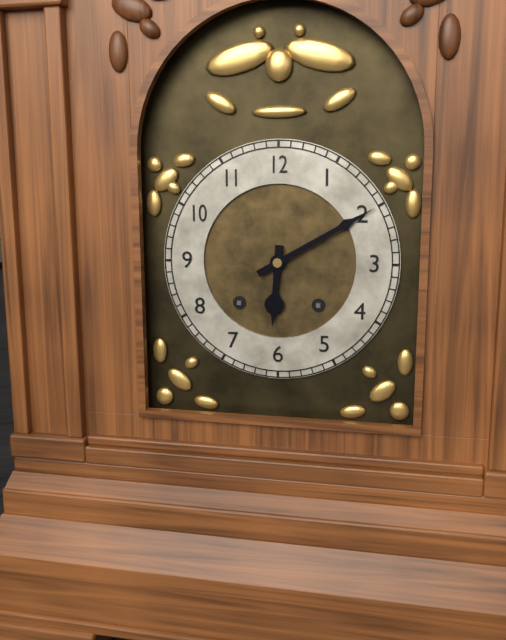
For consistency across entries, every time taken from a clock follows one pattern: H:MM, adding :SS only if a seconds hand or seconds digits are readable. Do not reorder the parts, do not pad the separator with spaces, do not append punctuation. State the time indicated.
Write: 6:10
